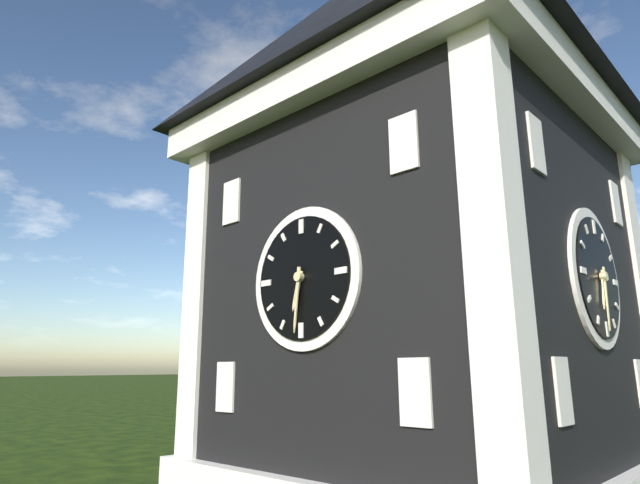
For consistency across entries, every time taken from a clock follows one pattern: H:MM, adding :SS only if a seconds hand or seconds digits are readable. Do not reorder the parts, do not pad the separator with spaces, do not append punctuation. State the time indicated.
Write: 6:31
